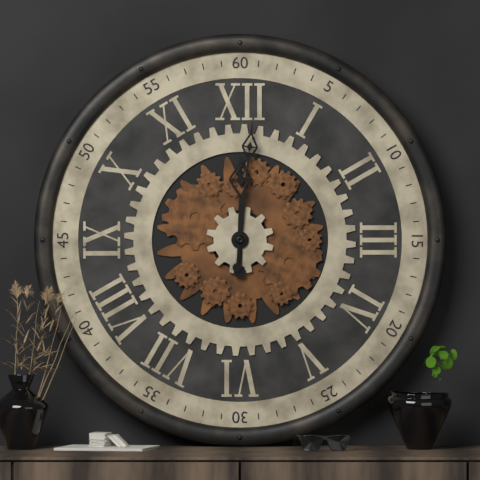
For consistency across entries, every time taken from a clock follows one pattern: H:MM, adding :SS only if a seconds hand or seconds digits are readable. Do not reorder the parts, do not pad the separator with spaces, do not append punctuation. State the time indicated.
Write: 12:01
